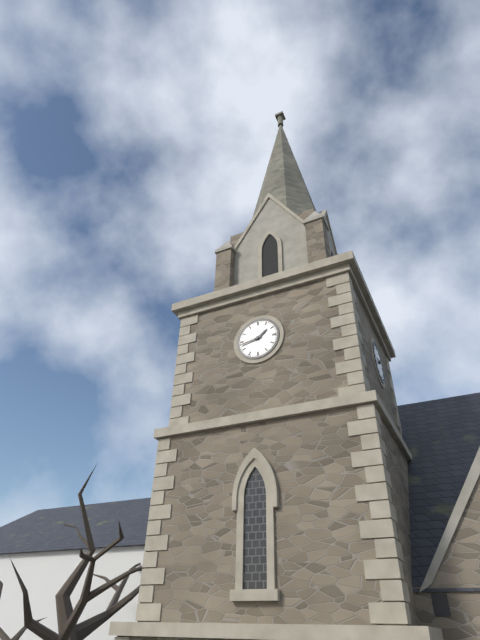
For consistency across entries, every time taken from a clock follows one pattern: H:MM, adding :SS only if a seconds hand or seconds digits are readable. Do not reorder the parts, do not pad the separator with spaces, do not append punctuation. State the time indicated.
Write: 1:43
